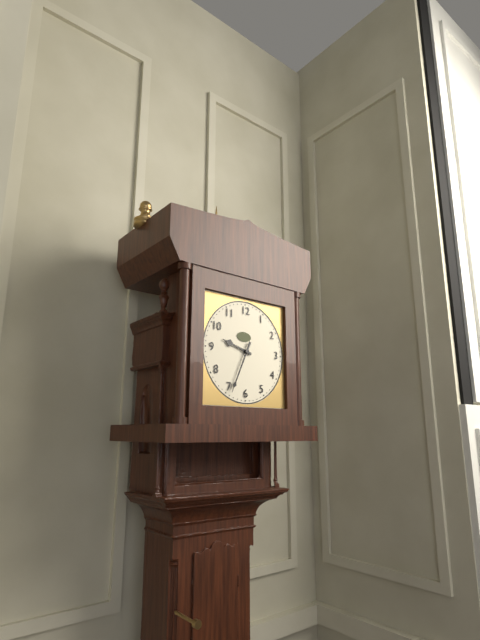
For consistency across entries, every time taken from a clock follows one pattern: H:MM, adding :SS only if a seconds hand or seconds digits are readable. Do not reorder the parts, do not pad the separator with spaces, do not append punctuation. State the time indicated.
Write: 9:34
